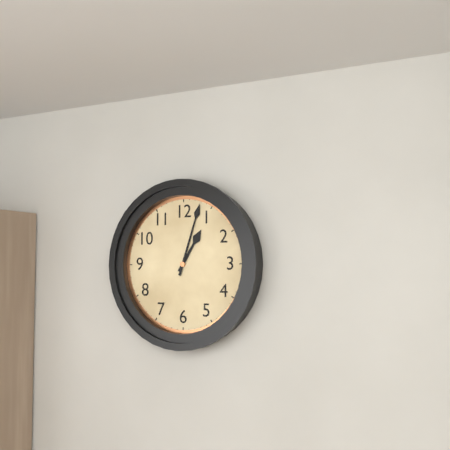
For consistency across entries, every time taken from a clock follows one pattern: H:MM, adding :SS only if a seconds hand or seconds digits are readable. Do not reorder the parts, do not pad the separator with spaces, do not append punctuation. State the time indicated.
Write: 1:03
